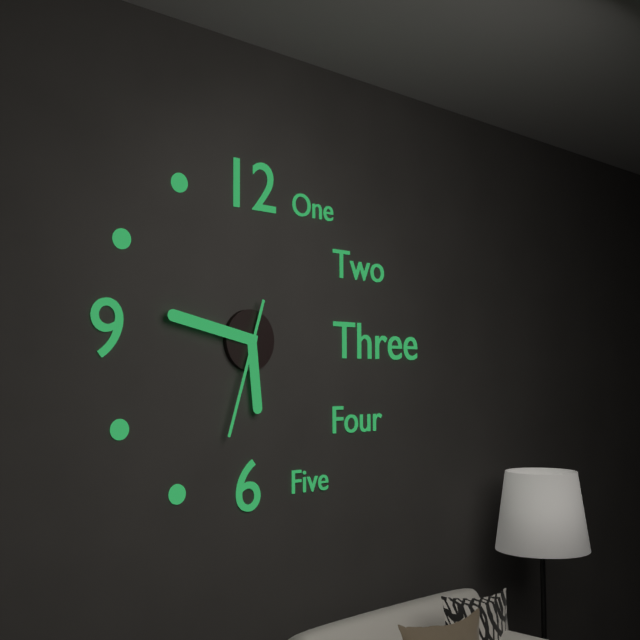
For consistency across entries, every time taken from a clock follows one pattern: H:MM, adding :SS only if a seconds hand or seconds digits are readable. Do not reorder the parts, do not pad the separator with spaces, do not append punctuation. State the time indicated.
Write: 5:47:33
